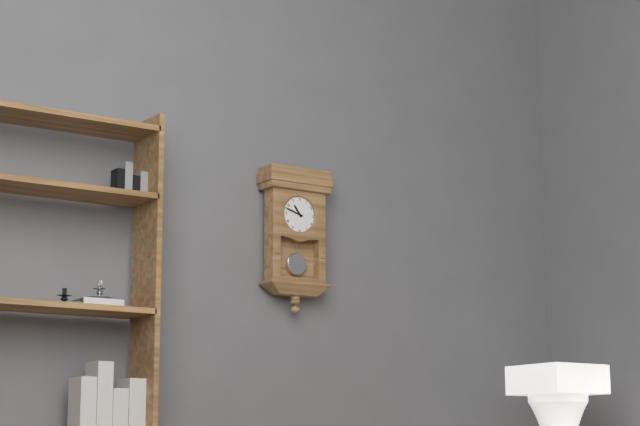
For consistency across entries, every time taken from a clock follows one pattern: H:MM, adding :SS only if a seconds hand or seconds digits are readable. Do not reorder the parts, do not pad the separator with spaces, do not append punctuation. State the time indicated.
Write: 10:48
